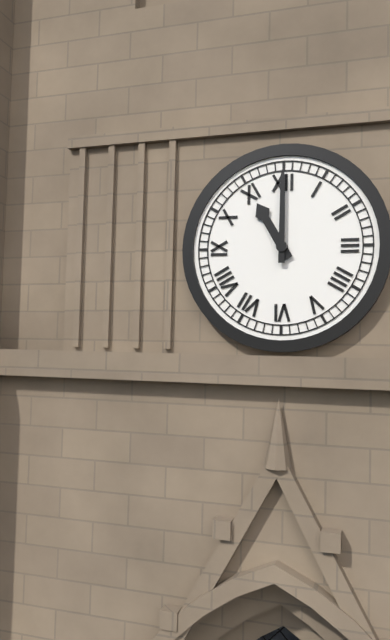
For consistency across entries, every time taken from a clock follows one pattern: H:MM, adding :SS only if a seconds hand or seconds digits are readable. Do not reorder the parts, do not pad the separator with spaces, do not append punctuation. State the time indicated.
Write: 11:00
